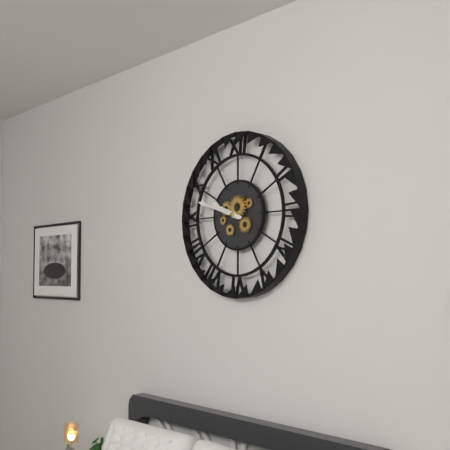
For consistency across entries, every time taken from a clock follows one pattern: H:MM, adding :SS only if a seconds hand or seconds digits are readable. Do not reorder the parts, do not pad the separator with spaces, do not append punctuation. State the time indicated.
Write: 9:48
